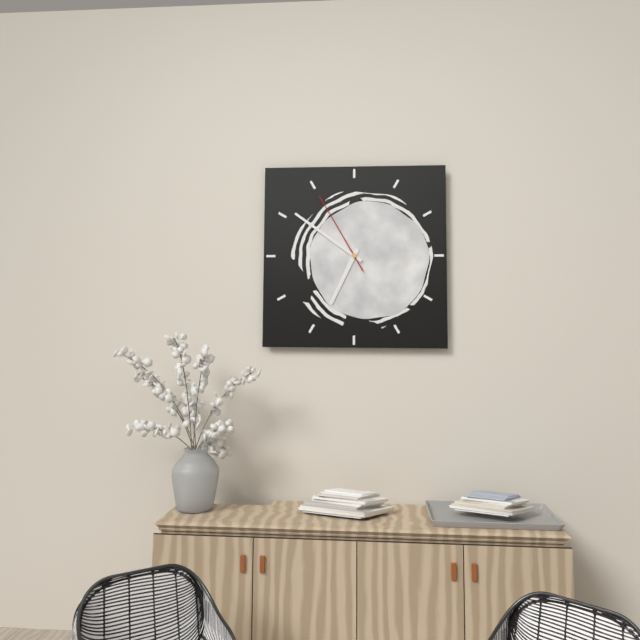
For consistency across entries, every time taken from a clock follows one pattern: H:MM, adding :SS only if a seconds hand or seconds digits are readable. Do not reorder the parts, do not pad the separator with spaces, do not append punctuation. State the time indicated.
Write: 6:51:55
